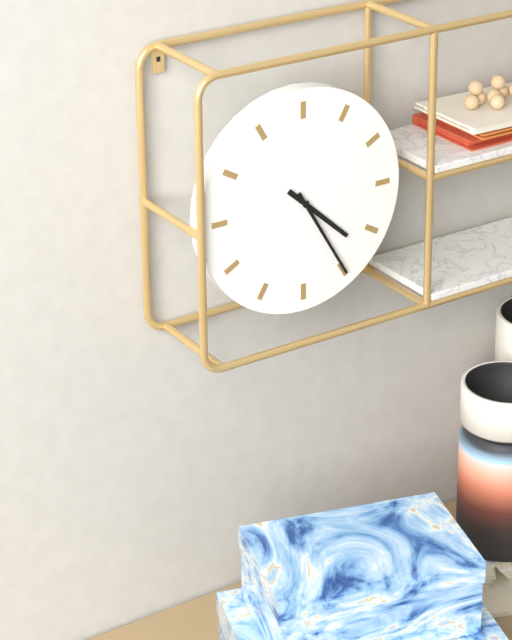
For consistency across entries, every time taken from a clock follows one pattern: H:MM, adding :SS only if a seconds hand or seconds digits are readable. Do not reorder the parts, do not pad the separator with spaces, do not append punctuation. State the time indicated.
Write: 4:25
